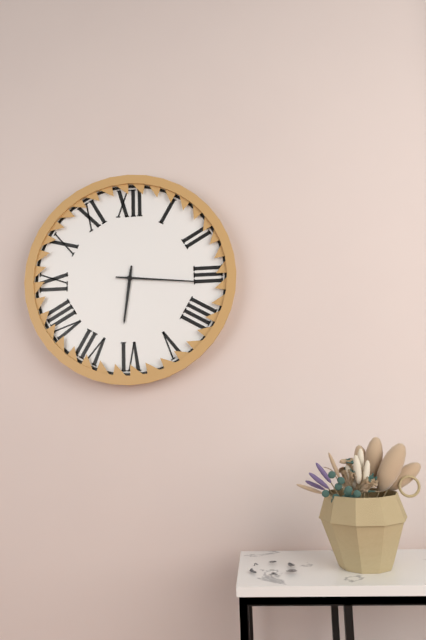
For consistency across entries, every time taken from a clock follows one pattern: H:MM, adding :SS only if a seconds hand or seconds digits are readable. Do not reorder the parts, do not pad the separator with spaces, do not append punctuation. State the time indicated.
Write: 6:16
